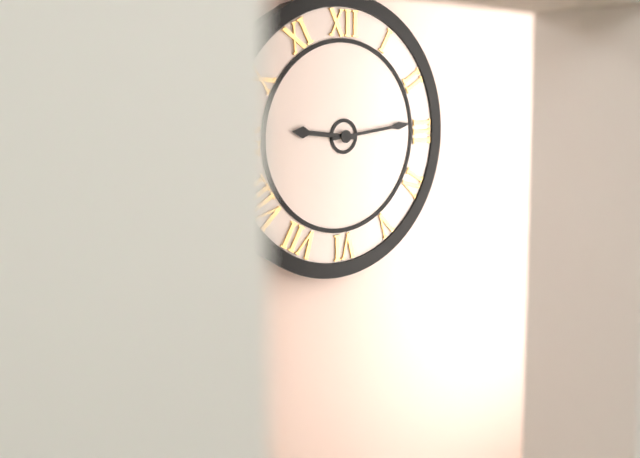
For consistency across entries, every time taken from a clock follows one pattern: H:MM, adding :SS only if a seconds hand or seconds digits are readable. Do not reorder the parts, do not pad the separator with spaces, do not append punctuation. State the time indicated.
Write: 9:14
